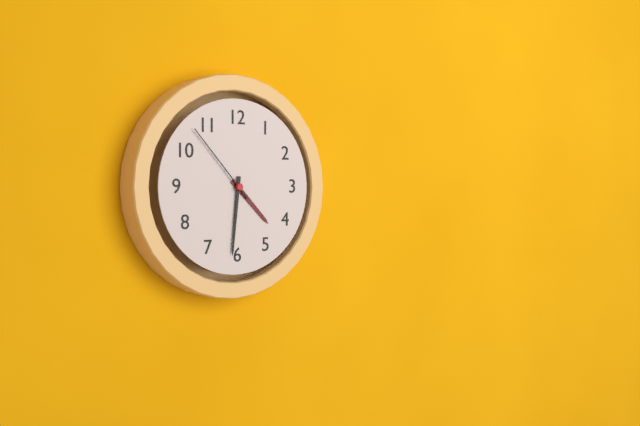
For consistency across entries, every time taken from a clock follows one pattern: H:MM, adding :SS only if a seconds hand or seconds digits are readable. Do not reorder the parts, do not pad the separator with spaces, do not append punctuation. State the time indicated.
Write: 4:31:53
